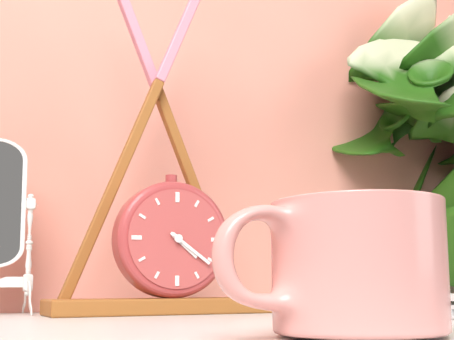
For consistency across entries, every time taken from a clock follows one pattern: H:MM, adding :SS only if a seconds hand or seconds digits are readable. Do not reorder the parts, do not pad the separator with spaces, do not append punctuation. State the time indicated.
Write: 4:21
